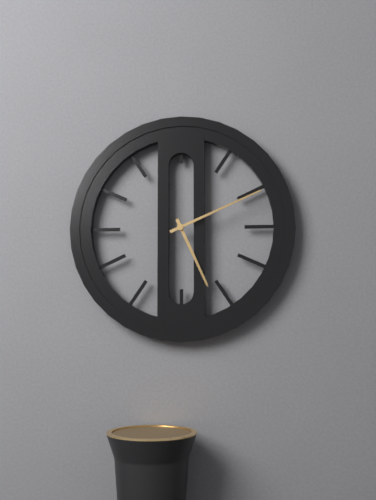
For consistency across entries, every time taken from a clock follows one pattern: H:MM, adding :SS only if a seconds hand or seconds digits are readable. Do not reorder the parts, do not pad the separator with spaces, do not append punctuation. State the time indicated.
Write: 5:11
